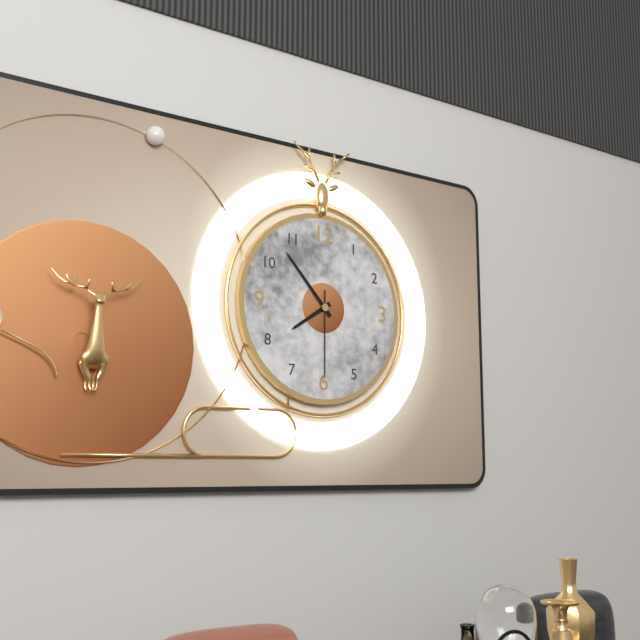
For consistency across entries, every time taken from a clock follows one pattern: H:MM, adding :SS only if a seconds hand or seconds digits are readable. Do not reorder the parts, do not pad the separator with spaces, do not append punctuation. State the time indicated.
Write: 7:53:30
